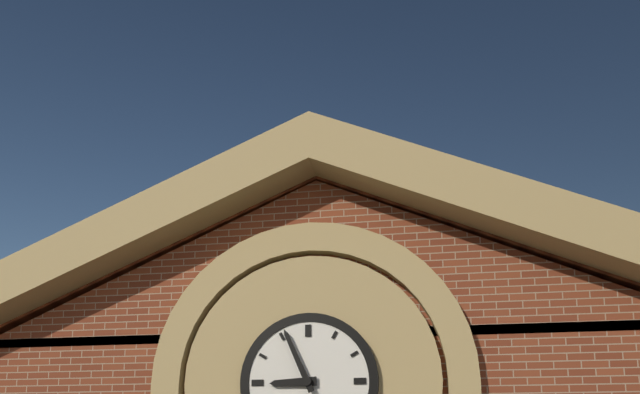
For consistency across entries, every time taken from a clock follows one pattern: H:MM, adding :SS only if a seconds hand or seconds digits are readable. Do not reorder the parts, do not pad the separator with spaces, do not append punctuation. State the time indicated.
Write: 8:56
